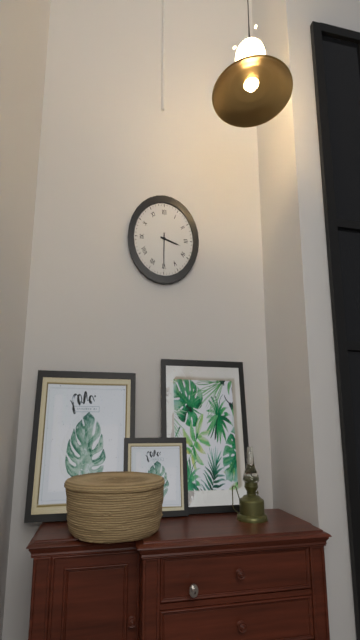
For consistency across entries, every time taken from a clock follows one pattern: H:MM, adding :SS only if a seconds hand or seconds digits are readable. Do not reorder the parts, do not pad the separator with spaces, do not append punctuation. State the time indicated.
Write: 3:30
